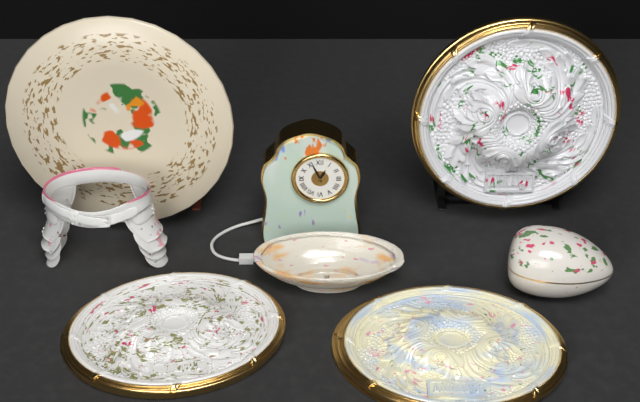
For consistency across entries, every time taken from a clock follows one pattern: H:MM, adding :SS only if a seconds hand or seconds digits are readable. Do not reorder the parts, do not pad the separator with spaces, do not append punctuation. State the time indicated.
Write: 12:56
